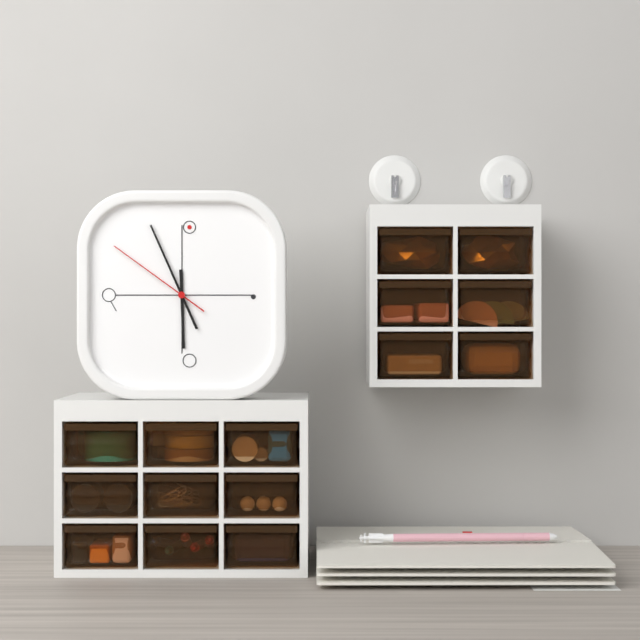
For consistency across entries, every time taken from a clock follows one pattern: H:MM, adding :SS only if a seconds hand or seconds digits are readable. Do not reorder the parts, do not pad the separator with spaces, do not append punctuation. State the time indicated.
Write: 5:56:51
